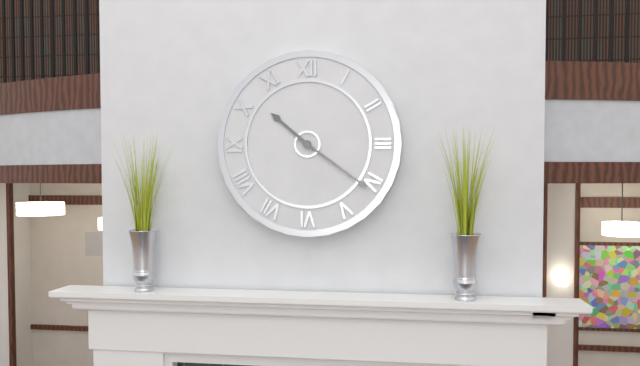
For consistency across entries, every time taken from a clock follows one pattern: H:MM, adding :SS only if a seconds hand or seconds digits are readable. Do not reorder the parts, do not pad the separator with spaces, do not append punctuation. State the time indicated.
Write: 10:21
